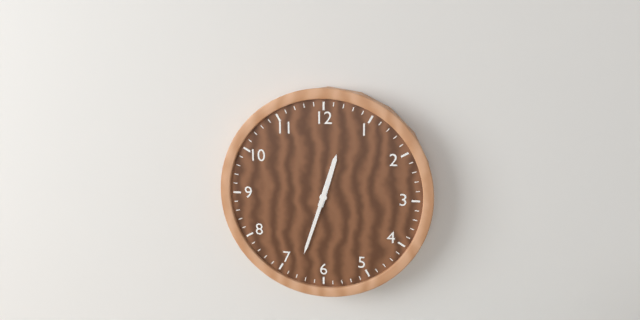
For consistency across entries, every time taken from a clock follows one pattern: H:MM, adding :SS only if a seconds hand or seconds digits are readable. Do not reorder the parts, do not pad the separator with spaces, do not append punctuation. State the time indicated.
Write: 12:33
